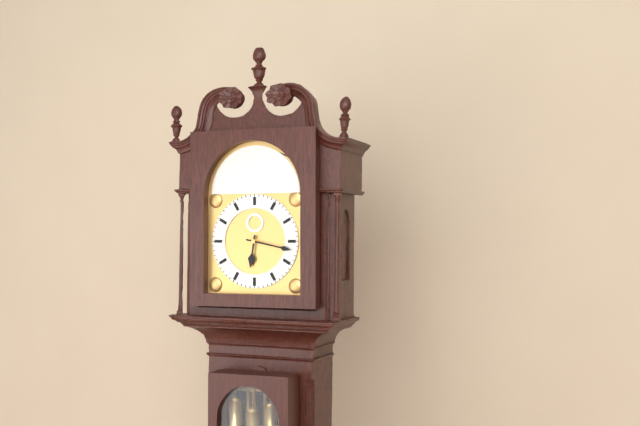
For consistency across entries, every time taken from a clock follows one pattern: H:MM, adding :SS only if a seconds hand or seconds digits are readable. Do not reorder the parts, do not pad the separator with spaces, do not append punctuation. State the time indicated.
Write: 6:17
